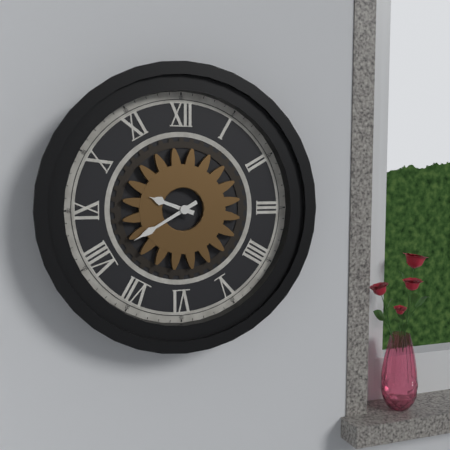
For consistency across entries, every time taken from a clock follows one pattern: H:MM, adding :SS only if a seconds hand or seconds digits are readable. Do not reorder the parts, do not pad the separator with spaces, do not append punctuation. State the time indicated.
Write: 9:40
